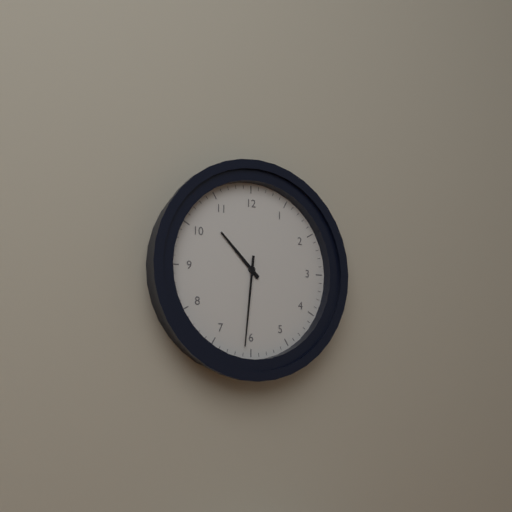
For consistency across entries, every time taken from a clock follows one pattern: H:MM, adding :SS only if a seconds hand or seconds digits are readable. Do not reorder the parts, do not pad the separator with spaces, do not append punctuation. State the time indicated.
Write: 10:31
